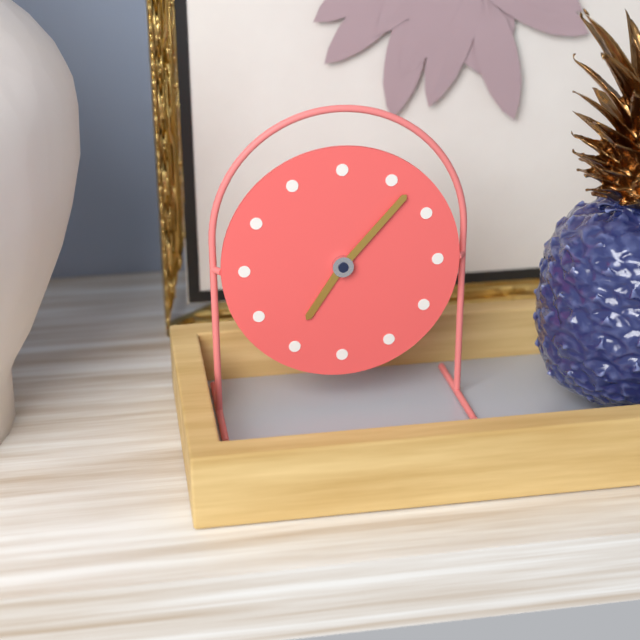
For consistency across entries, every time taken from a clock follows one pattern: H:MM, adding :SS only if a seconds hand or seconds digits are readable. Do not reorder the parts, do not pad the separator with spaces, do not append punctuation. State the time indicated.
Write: 7:07
